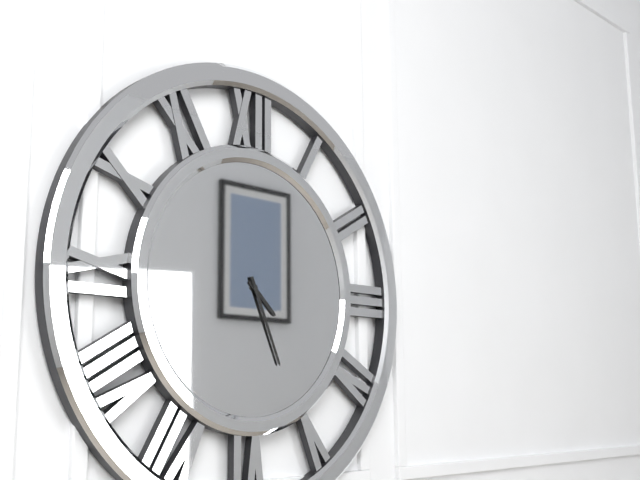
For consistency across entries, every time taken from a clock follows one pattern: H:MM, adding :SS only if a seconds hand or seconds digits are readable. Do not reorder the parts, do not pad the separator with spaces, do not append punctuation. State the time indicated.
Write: 4:26
